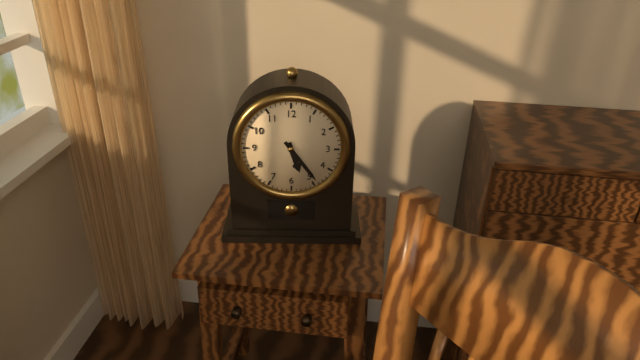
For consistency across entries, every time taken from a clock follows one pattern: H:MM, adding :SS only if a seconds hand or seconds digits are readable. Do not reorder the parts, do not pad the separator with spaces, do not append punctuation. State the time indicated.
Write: 5:24
